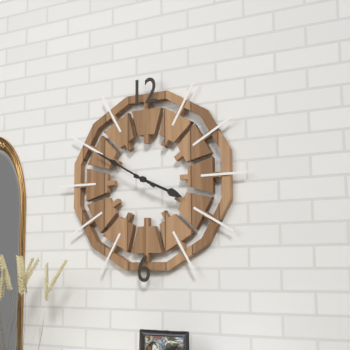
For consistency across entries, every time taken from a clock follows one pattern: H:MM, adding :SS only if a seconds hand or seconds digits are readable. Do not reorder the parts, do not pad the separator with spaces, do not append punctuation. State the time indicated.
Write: 3:50
